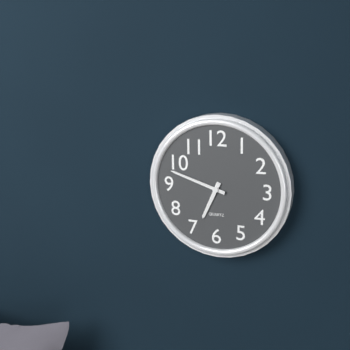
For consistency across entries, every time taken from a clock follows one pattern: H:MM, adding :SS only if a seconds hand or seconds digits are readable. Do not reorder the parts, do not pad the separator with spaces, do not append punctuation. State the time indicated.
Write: 6:48
